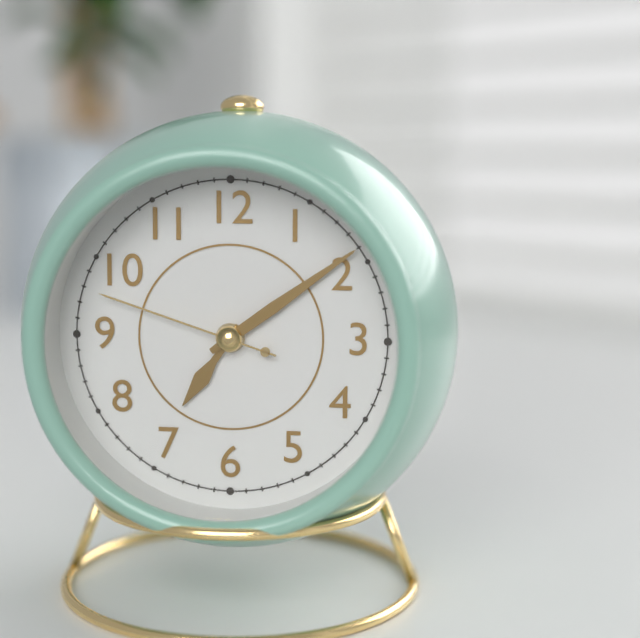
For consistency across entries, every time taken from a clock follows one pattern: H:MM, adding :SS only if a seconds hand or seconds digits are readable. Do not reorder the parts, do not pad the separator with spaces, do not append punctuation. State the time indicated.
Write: 7:09:48
